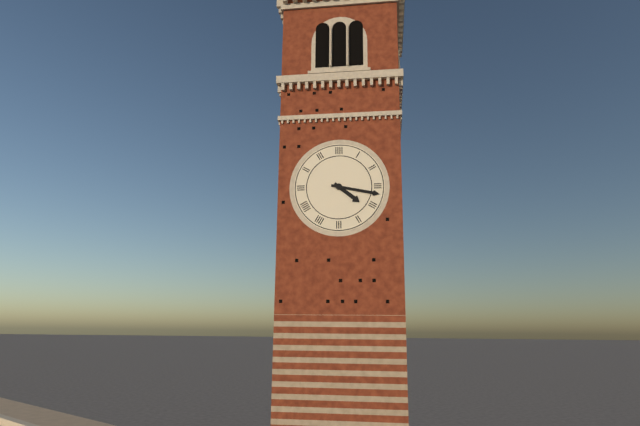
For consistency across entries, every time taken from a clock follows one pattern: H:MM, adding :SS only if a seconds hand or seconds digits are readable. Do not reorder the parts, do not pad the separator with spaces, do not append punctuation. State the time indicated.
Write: 4:17
